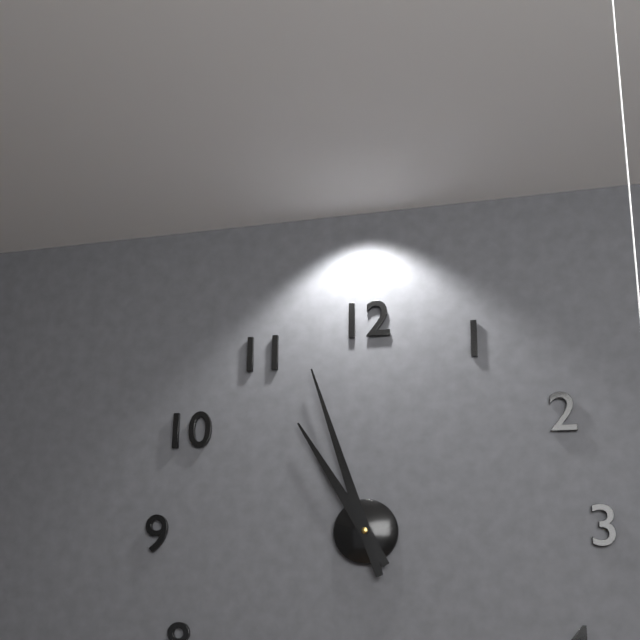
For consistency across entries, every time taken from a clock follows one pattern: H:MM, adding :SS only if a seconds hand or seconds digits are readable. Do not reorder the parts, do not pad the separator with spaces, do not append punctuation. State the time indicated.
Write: 10:57
